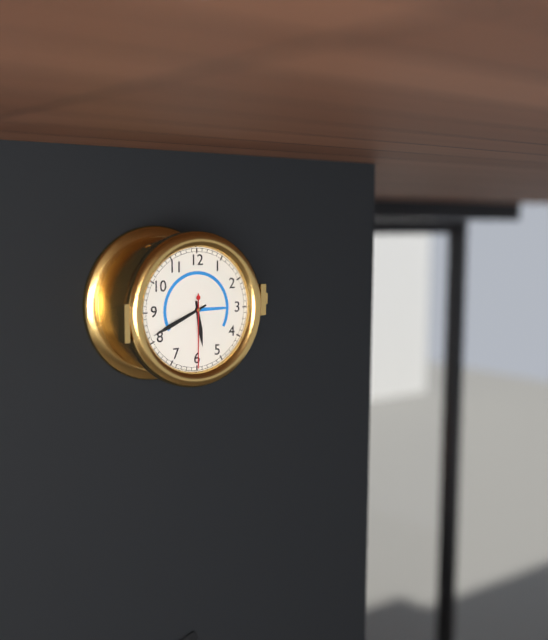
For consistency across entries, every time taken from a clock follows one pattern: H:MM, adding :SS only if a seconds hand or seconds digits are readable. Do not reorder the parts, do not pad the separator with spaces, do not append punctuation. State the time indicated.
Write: 5:41:30
